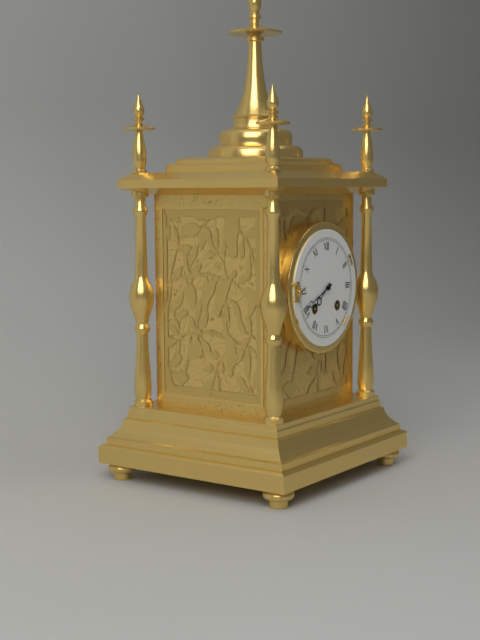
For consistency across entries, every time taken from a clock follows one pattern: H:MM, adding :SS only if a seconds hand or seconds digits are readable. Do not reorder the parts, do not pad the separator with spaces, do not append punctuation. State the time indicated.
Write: 7:41
